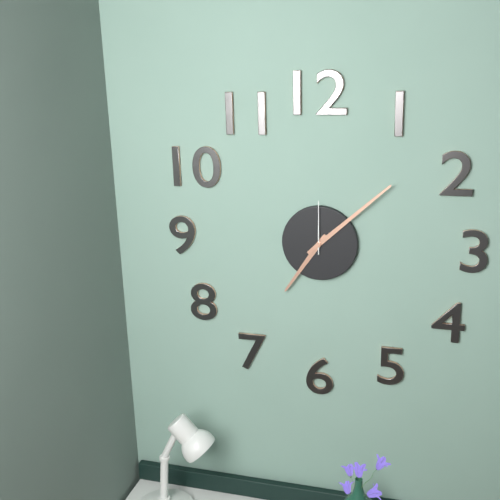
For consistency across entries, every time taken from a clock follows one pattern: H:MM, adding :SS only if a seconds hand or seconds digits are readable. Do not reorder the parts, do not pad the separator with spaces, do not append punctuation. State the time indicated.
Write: 7:08:00
